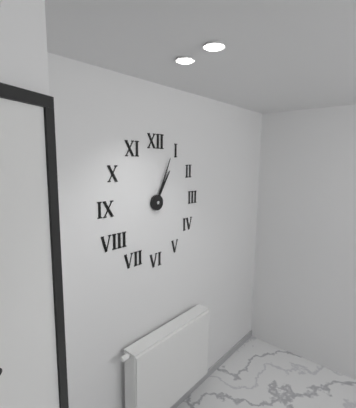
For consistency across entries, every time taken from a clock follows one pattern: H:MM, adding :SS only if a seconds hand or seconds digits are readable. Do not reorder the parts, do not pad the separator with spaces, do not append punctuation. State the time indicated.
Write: 1:04
